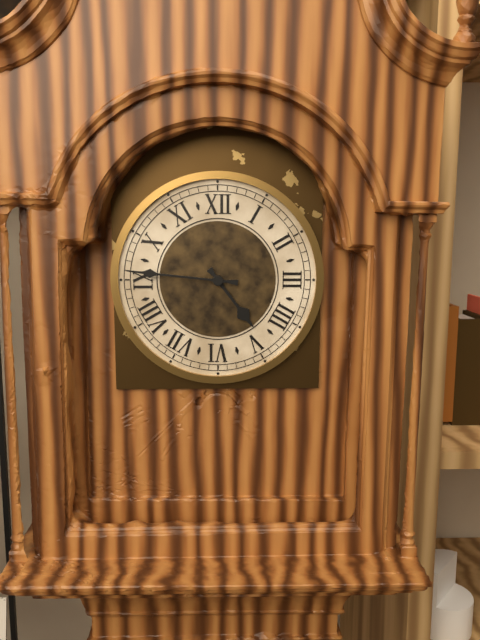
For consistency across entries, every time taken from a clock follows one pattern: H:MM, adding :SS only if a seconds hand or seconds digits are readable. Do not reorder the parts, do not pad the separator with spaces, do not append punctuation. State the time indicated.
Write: 4:46
